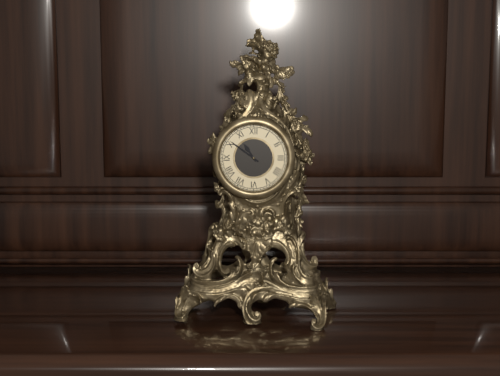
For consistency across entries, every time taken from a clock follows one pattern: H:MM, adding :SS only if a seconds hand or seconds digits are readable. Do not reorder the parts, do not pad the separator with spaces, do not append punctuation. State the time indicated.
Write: 10:51
